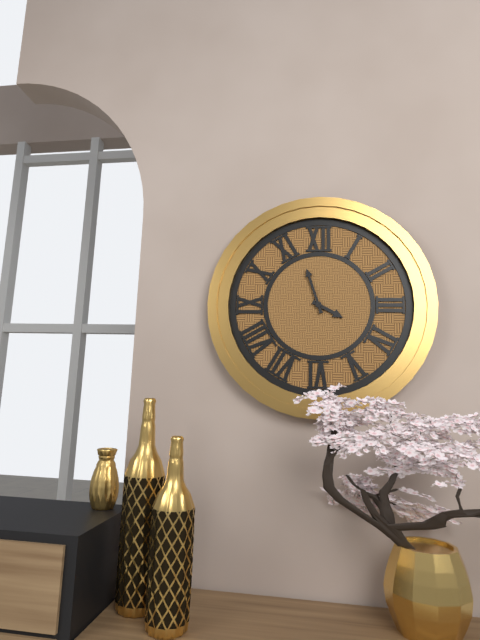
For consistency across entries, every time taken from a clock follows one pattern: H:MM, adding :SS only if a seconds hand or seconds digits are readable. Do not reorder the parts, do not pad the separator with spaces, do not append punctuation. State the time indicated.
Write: 3:57
